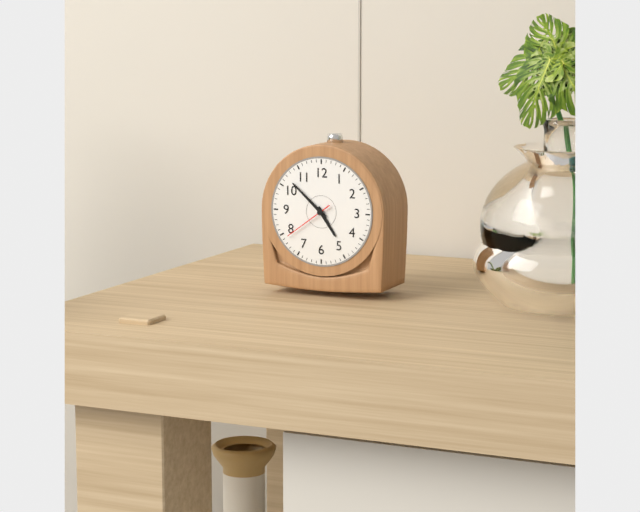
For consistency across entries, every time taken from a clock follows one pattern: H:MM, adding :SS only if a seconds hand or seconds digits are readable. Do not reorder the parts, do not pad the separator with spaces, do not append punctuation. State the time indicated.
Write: 4:52:39
